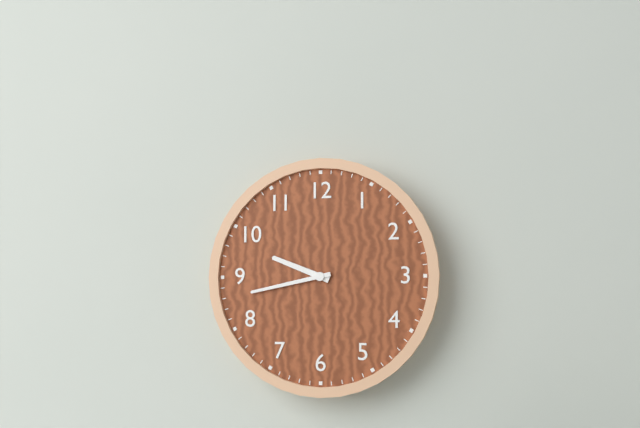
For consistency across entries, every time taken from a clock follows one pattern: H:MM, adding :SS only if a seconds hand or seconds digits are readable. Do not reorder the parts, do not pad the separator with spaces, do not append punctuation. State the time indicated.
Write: 9:43
